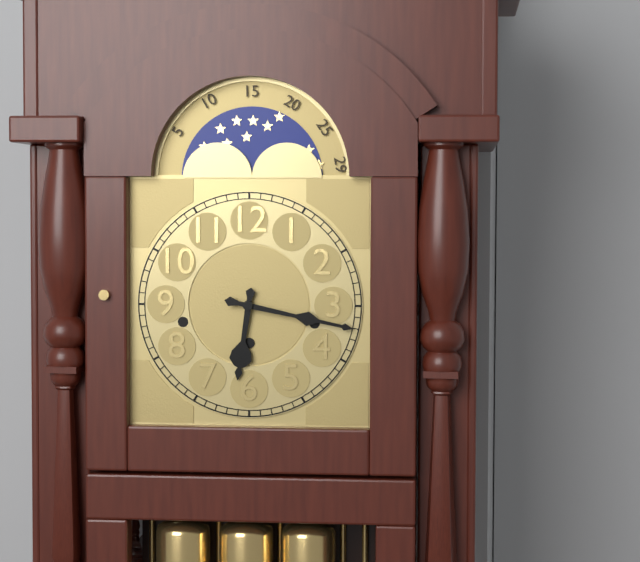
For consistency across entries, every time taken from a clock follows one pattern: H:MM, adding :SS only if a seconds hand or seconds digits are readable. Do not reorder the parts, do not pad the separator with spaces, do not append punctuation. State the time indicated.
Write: 6:17
